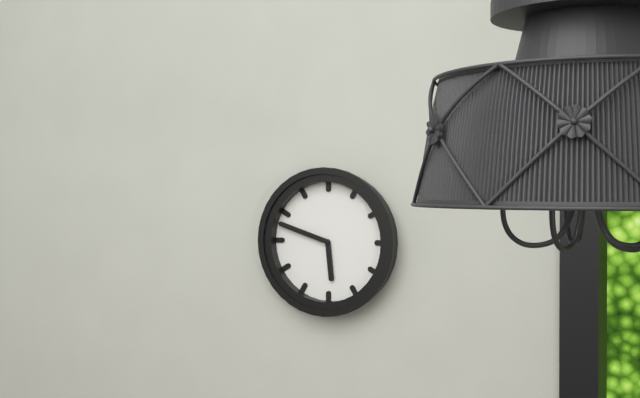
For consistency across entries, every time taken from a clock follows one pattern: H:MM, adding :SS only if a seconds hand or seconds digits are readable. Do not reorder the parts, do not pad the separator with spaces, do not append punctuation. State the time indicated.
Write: 5:48
